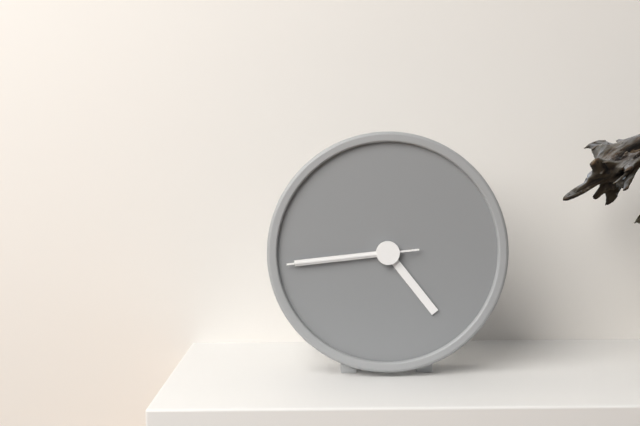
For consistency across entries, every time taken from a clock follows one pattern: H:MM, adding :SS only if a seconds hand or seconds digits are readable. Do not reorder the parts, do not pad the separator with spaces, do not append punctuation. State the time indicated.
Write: 4:44:44
